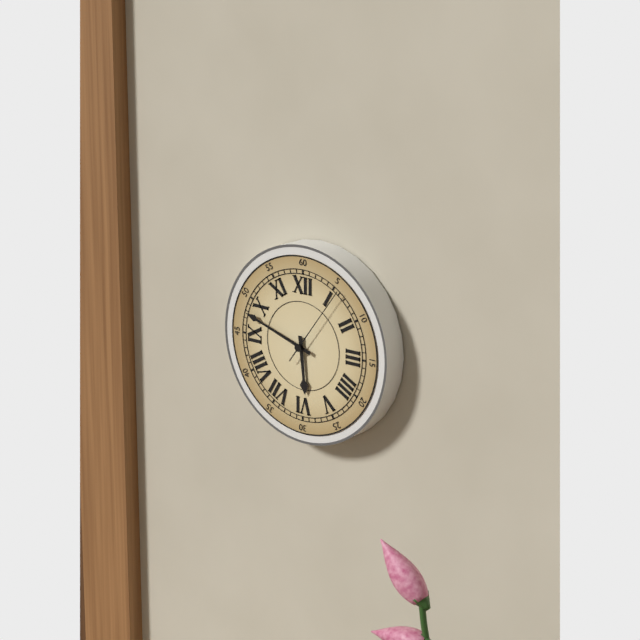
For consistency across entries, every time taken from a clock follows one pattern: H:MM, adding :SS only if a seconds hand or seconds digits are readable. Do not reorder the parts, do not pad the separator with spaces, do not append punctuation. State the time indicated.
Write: 5:48:06
